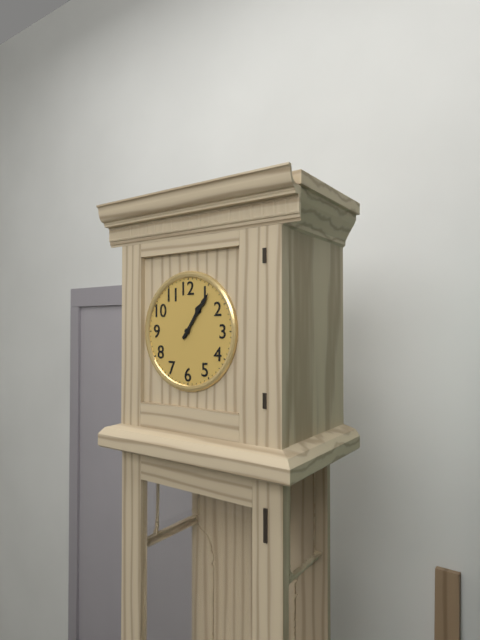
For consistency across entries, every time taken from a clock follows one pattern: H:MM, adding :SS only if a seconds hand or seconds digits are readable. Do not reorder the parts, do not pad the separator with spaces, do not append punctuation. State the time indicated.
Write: 1:06
